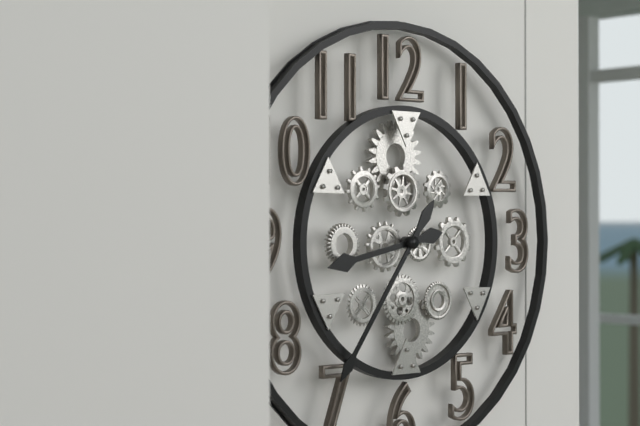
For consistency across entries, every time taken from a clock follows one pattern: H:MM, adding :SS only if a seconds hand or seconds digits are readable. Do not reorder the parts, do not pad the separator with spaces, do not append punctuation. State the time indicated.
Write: 8:36
